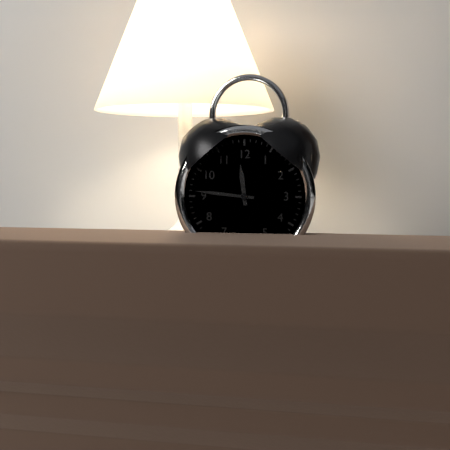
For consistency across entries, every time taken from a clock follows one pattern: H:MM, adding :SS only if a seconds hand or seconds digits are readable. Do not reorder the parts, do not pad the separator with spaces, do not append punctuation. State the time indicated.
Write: 11:46
